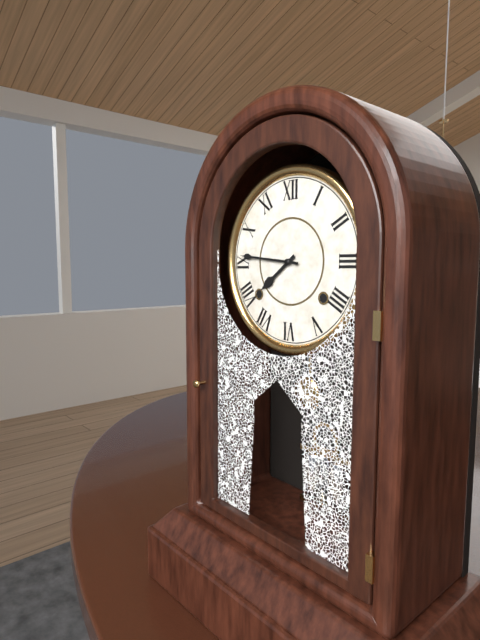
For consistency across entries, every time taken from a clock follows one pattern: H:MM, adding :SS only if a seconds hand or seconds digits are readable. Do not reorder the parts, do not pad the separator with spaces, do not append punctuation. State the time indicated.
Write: 7:46
